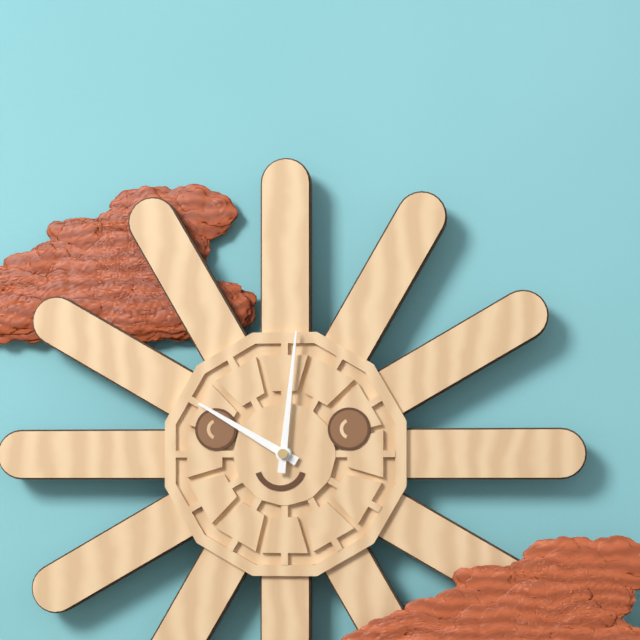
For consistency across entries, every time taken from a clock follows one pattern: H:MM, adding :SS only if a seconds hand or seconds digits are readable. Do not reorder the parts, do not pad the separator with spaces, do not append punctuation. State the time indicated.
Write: 10:01
